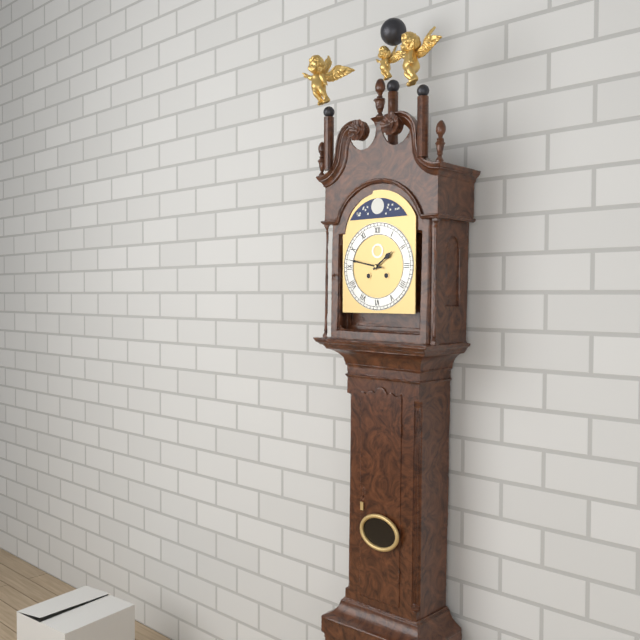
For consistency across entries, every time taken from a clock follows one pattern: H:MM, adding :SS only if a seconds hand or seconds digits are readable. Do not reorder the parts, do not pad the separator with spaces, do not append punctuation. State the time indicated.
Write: 1:47
